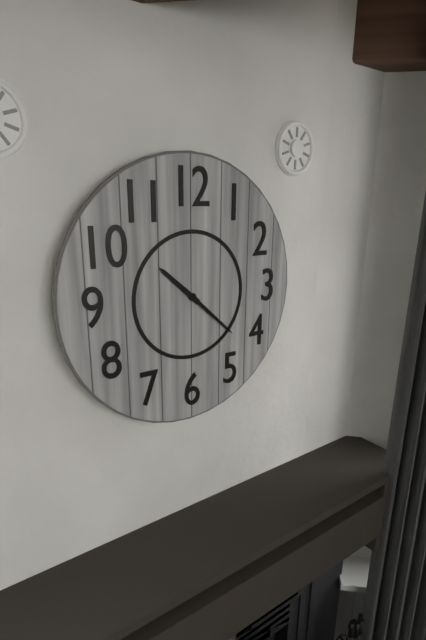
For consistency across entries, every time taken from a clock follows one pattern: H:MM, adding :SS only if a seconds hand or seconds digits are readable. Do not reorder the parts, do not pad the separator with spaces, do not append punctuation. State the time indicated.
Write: 10:22
